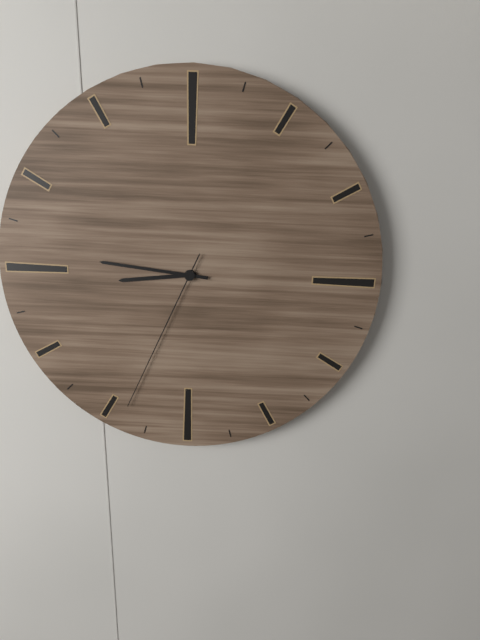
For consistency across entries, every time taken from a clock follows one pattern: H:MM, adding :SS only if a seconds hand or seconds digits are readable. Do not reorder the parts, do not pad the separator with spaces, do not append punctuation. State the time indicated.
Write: 8:46:34
